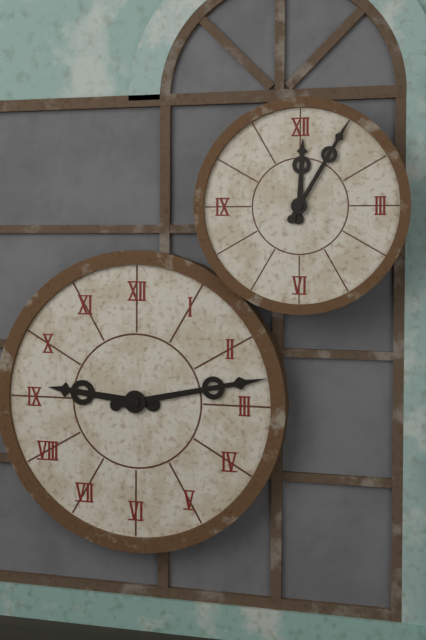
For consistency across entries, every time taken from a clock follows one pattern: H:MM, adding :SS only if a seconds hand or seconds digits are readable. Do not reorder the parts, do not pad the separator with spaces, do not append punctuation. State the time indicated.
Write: 12:05
